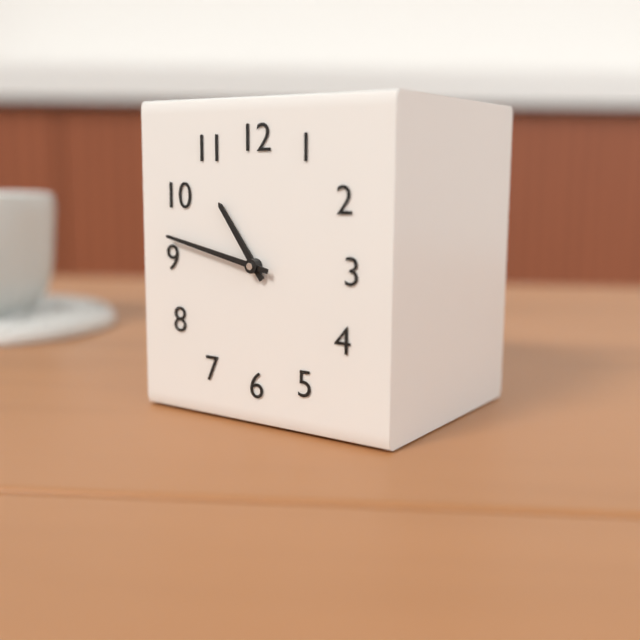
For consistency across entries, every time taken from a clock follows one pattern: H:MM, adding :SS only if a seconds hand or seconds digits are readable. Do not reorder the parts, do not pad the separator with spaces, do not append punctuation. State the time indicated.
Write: 10:47
